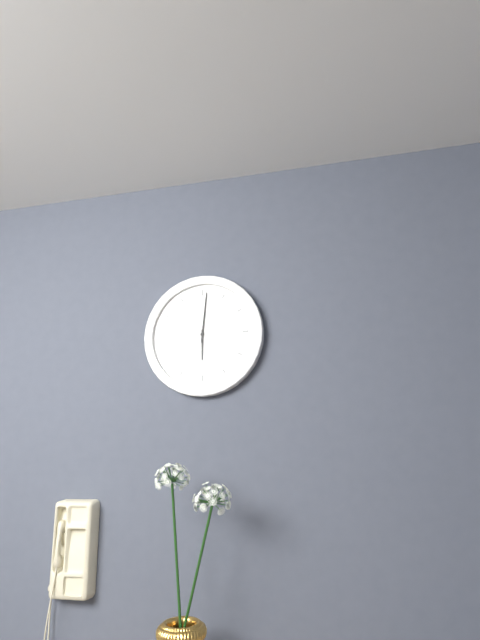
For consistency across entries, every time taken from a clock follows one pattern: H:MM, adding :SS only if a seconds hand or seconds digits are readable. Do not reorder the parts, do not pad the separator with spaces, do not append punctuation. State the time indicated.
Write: 6:01
